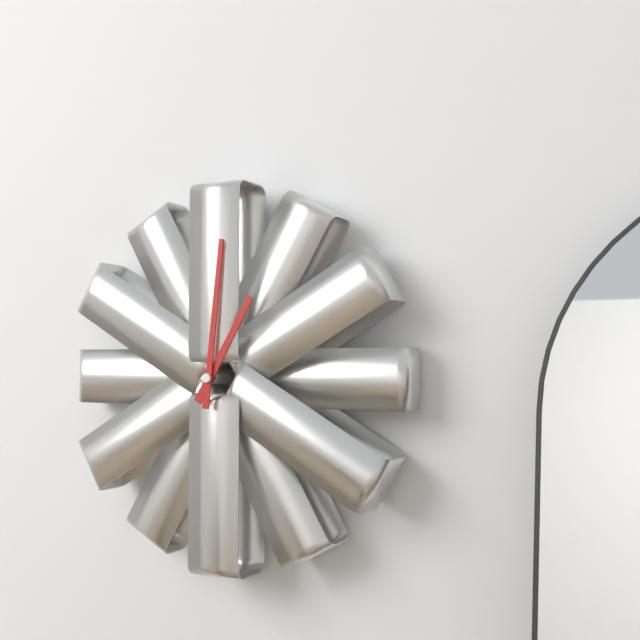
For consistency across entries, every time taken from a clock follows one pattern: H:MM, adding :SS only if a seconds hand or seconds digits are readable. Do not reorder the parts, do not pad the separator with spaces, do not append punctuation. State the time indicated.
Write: 1:01
